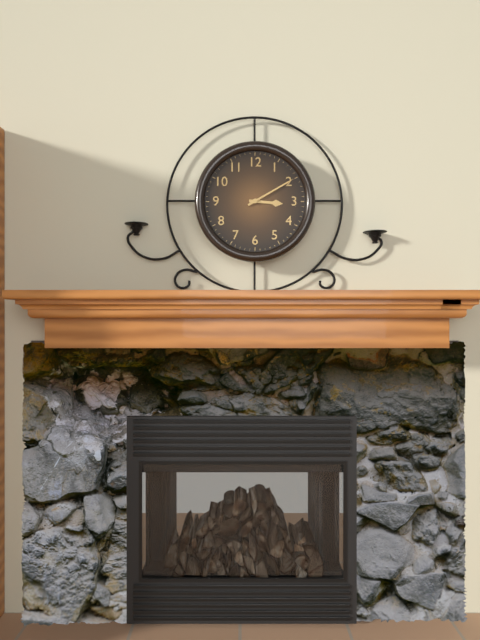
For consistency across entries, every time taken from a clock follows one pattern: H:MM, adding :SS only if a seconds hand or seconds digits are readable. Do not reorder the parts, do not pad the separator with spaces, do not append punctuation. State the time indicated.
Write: 3:10
